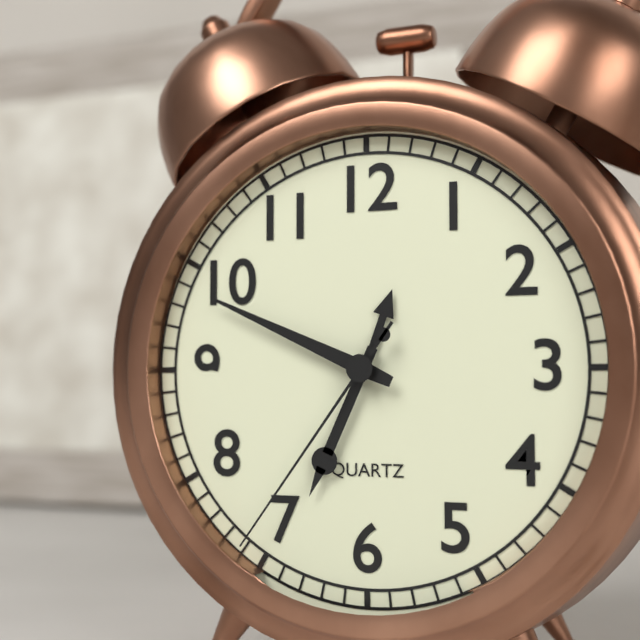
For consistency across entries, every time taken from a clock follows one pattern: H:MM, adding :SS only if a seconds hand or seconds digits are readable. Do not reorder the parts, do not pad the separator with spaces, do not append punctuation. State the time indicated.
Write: 6:49:36
